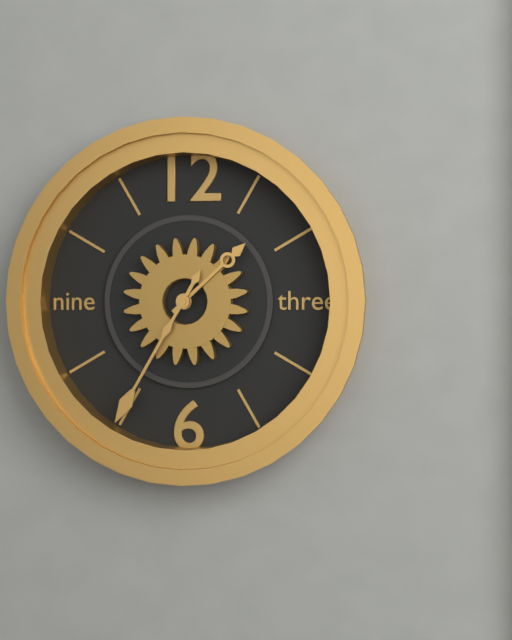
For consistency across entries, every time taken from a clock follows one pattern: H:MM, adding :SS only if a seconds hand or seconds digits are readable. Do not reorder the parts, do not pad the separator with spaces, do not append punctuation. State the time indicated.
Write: 1:35
